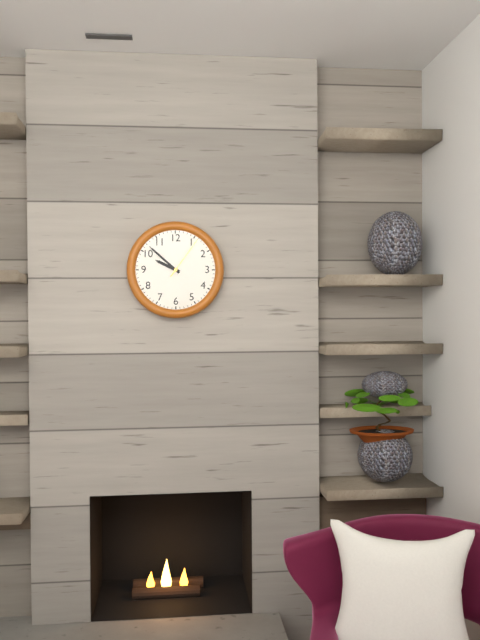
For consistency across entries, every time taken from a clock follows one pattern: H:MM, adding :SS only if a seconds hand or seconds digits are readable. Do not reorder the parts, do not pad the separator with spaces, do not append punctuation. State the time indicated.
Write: 9:52
